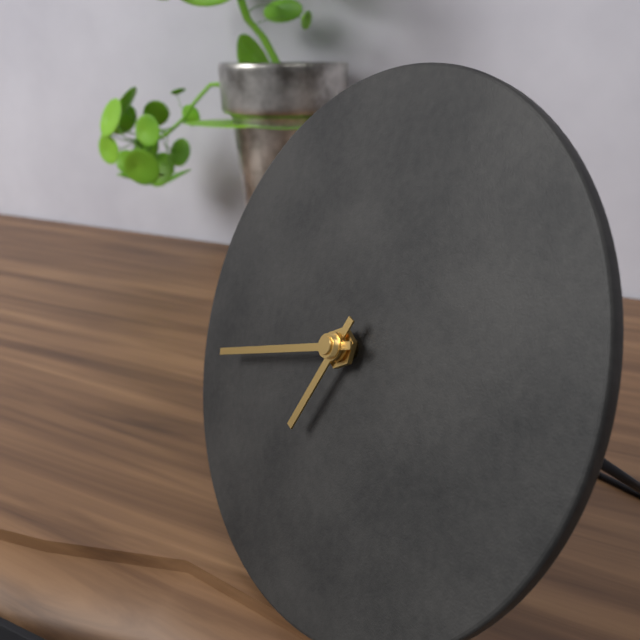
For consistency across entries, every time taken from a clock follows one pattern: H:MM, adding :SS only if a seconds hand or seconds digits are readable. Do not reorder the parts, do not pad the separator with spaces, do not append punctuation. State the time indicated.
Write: 6:42
